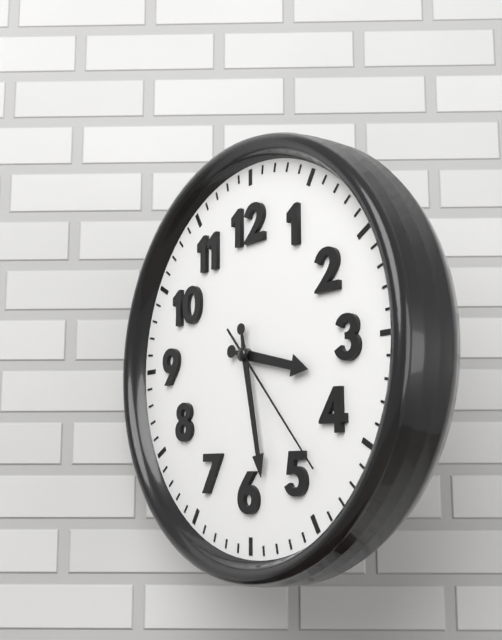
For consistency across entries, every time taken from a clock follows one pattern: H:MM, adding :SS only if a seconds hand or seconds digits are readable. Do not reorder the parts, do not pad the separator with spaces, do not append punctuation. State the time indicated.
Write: 3:28:23
